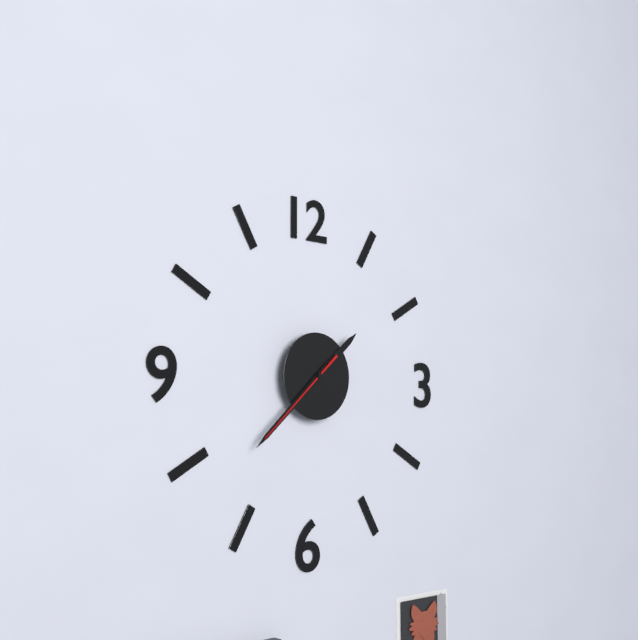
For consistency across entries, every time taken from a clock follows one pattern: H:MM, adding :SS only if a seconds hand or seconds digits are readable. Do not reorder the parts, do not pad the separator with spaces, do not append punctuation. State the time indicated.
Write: 1:38:38
